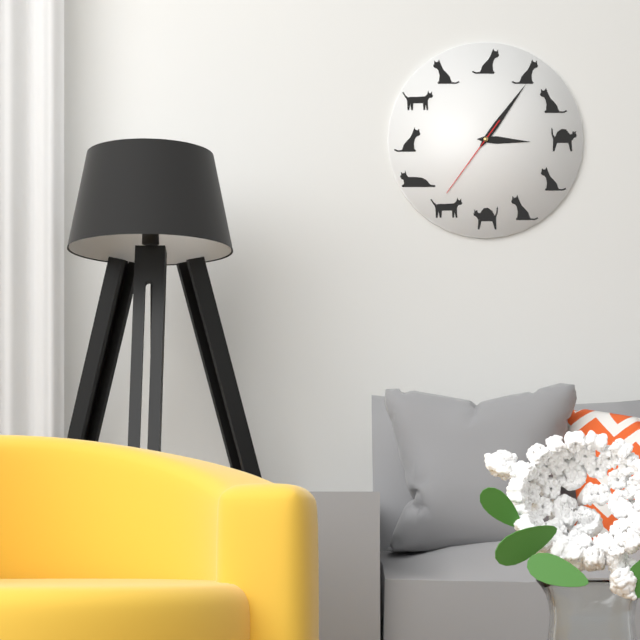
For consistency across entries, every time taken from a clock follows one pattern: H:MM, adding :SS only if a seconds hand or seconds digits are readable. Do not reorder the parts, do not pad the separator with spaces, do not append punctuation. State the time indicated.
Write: 3:06:36
